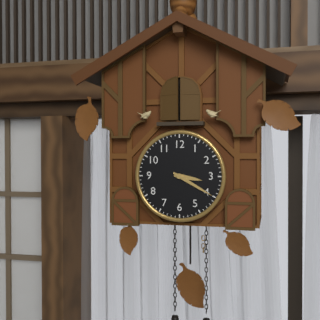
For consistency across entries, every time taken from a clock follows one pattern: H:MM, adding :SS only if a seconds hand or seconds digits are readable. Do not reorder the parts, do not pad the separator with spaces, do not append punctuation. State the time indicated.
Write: 3:20
